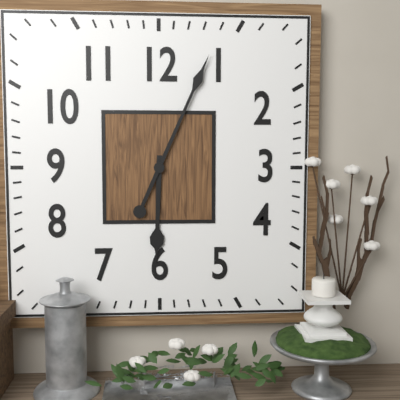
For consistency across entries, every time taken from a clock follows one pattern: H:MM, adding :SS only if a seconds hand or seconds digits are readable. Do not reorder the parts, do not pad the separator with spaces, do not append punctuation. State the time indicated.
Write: 6:04
